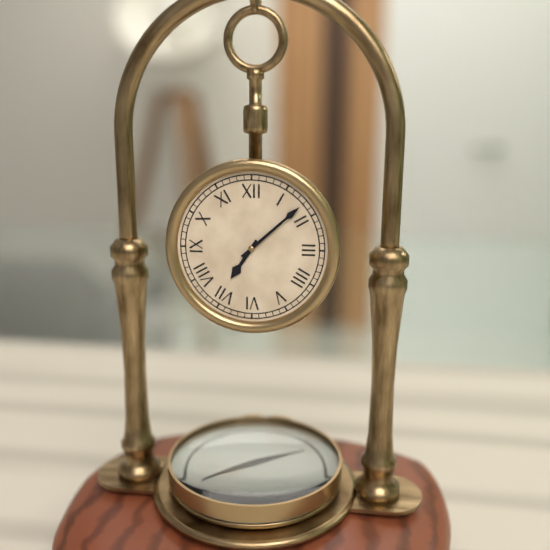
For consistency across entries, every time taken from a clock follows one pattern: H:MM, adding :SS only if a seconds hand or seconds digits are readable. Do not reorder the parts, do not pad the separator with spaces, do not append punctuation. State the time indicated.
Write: 7:08
